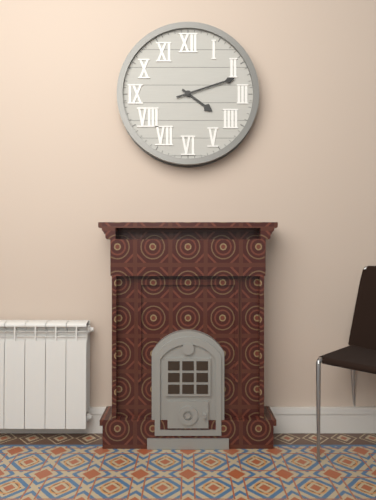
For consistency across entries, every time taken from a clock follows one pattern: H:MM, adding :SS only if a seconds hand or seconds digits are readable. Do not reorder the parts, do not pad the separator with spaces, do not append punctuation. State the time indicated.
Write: 4:12
